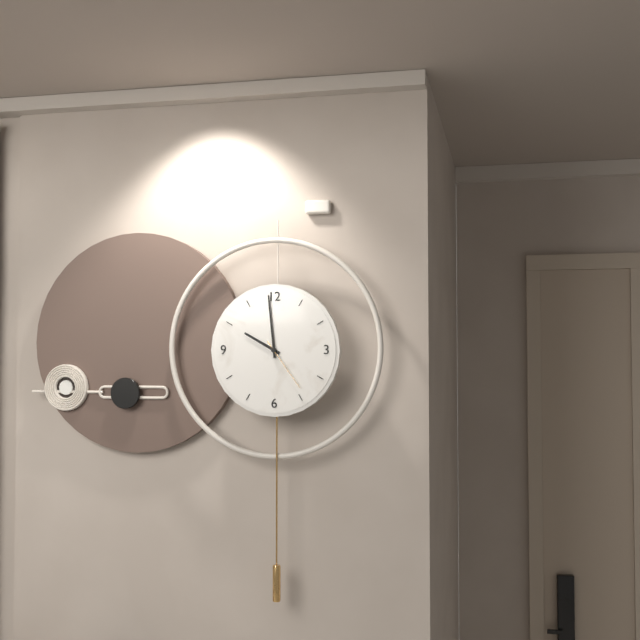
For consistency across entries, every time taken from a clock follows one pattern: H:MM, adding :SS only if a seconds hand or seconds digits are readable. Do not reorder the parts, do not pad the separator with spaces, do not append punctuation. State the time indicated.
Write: 9:59:24
